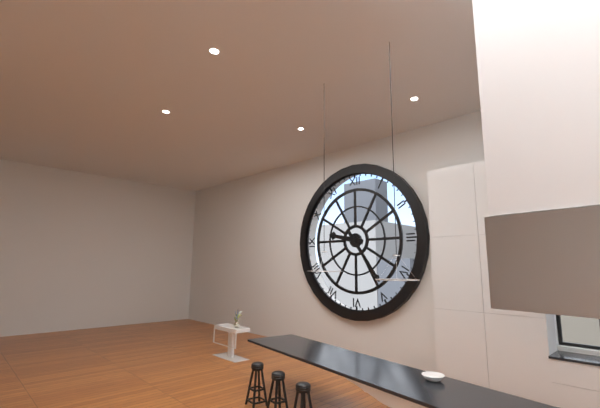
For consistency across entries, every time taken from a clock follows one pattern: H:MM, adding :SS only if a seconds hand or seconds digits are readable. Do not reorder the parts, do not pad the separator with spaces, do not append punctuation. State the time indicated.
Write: 9:24
